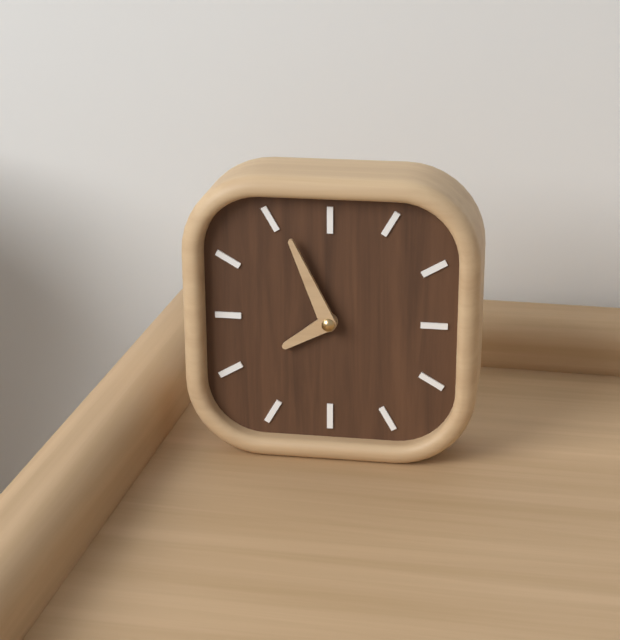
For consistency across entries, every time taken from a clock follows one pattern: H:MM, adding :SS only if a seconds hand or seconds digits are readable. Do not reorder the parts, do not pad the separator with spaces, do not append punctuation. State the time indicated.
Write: 7:56
